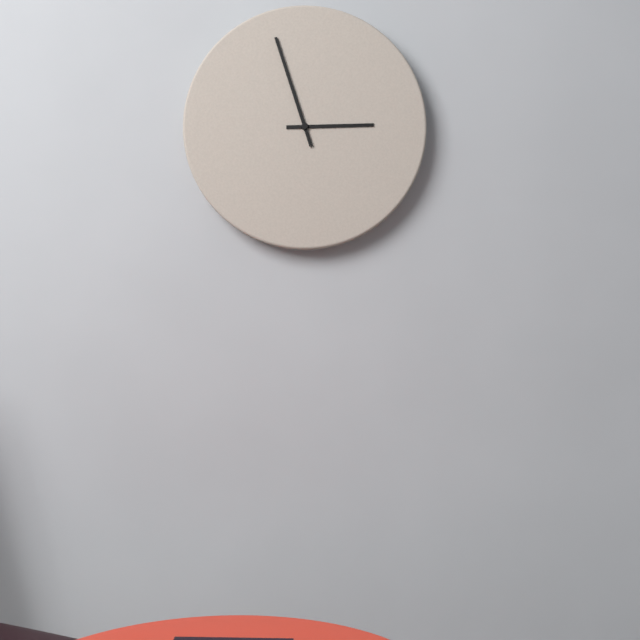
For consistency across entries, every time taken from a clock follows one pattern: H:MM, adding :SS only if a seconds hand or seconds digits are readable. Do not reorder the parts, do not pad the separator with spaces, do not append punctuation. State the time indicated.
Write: 2:57
